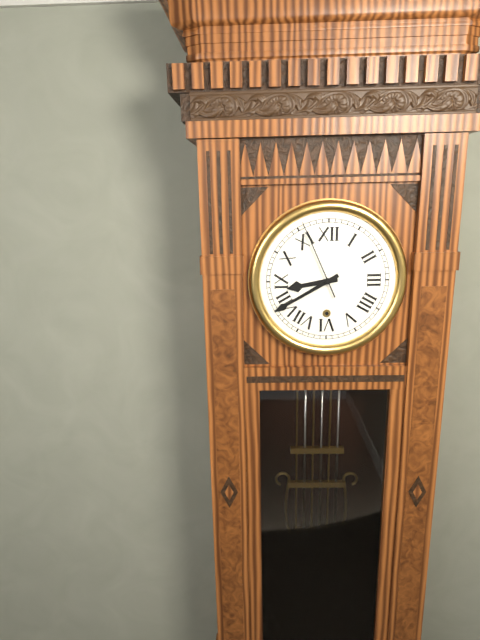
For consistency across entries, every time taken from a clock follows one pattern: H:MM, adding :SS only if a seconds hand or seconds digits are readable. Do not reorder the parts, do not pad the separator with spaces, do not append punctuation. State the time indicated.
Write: 8:40:56
